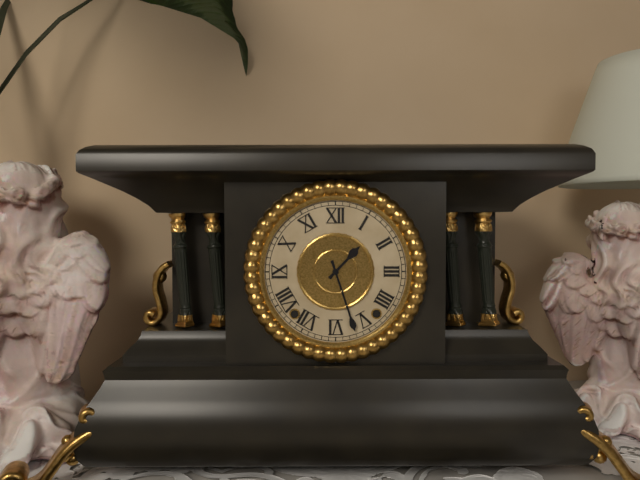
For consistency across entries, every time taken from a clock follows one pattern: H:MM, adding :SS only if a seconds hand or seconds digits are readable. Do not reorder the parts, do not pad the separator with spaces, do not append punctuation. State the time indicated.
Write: 1:27
